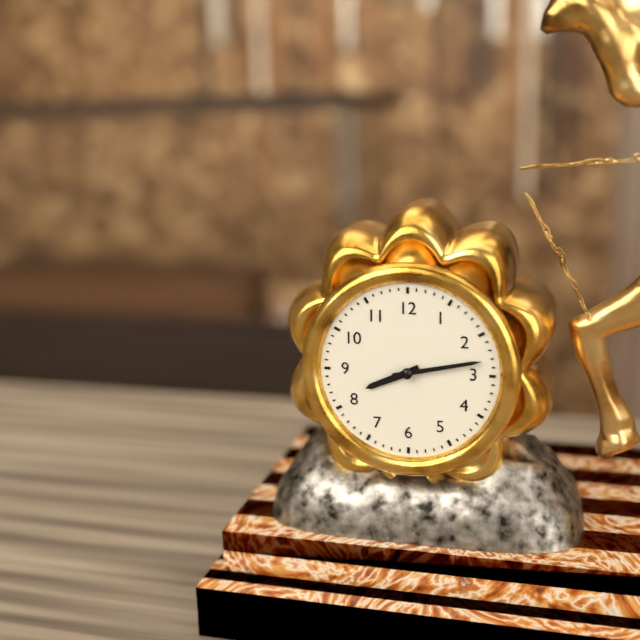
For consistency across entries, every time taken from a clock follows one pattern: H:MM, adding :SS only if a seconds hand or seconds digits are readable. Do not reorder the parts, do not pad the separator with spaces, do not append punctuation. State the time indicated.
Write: 8:13
